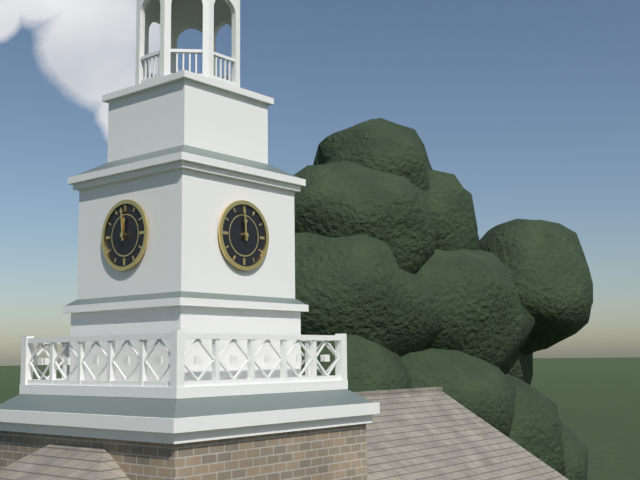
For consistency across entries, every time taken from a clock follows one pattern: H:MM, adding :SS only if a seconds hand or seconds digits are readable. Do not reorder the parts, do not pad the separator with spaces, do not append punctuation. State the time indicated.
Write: 11:59
